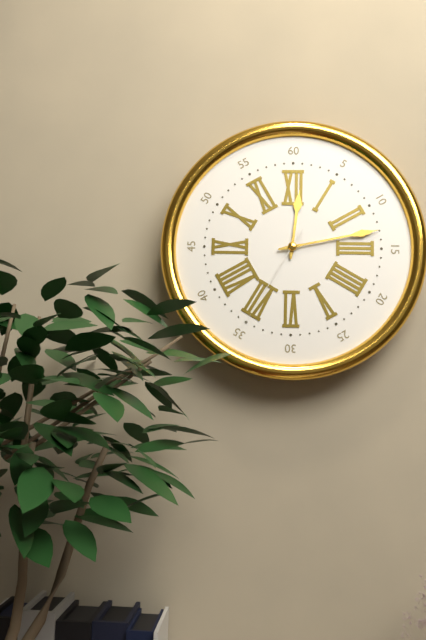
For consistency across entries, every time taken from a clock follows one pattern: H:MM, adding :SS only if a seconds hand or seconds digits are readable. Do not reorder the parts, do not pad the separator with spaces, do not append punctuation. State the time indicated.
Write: 12:13:35
